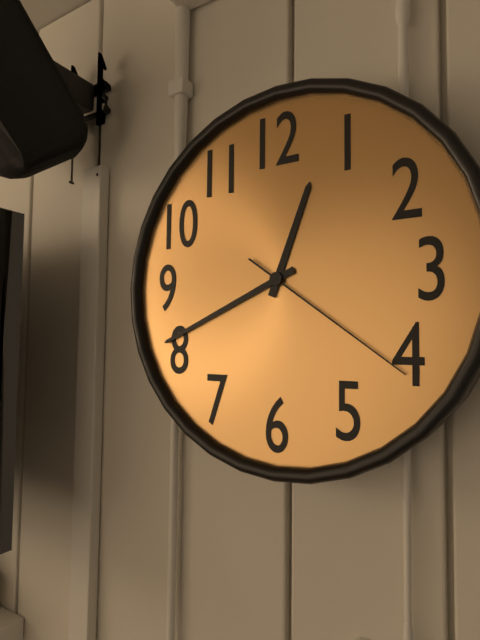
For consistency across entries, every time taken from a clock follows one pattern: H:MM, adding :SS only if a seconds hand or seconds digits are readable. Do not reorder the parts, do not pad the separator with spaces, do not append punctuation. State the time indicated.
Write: 12:41:21
